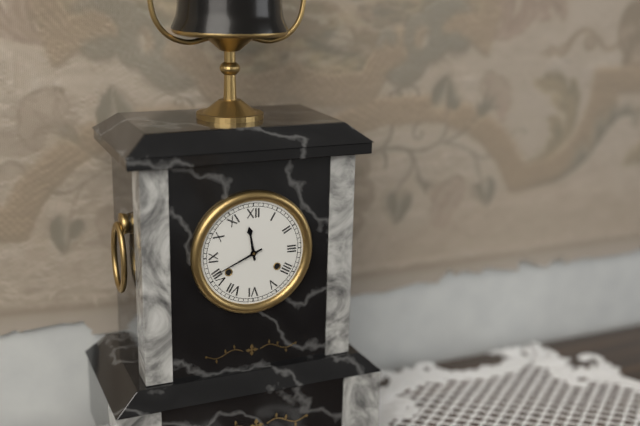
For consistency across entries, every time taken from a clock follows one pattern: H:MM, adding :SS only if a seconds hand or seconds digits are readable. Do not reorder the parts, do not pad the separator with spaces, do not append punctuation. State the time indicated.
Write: 11:41
